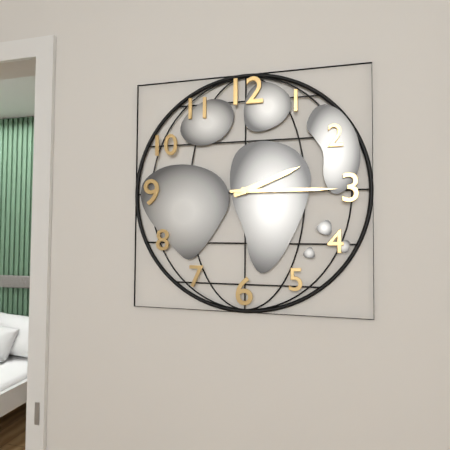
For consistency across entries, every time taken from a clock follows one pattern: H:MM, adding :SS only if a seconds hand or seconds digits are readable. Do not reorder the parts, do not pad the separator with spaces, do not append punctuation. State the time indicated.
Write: 2:15
